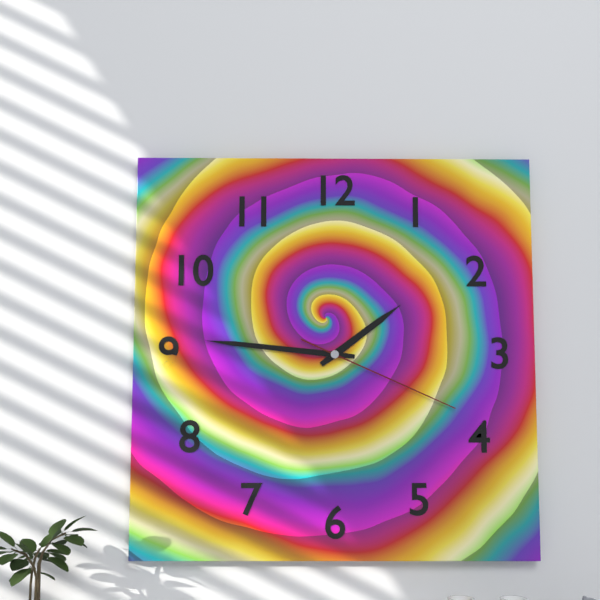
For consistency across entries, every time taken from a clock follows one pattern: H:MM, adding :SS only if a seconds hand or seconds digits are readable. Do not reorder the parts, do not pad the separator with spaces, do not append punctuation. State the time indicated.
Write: 1:46:19
